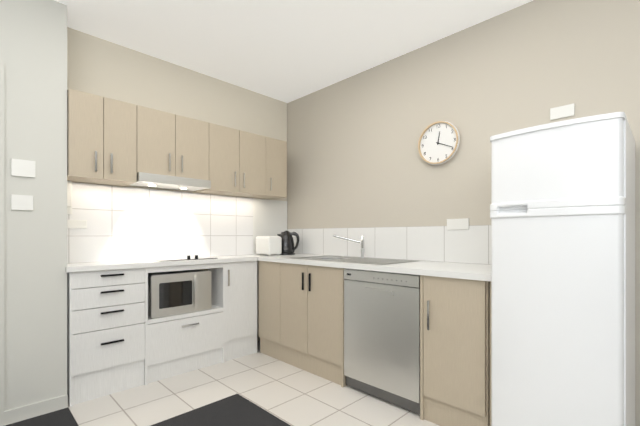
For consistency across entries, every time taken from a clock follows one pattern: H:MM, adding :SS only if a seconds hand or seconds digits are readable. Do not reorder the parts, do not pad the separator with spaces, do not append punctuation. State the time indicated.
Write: 12:19
